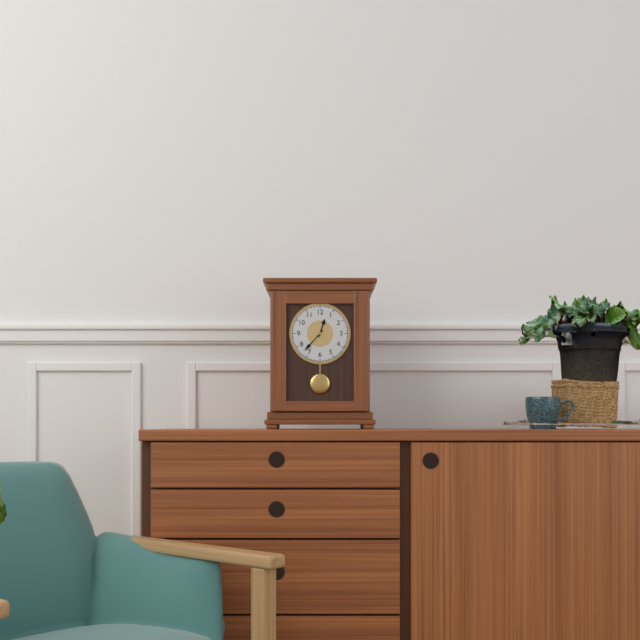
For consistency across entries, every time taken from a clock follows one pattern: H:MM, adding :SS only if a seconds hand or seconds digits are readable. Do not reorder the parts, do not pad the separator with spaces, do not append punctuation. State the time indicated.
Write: 12:37
